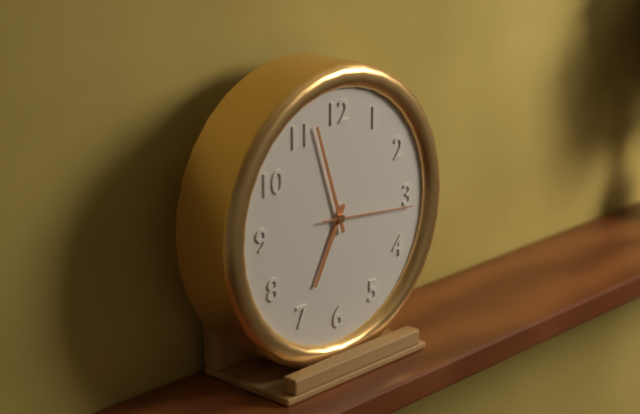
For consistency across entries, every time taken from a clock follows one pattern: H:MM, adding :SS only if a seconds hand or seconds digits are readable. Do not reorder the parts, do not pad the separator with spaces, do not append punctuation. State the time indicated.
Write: 6:57:16
